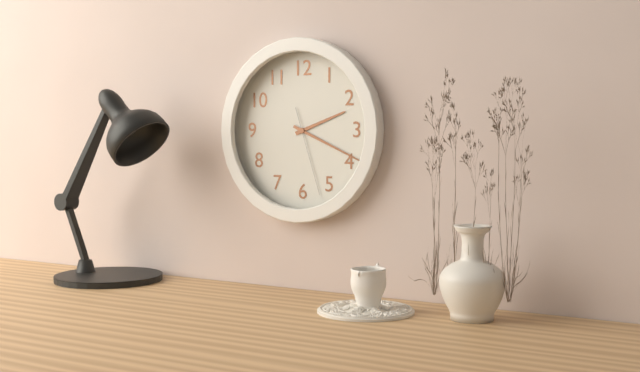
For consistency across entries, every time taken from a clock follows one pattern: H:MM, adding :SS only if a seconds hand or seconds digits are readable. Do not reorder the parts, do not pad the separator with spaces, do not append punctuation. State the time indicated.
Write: 2:19:27
